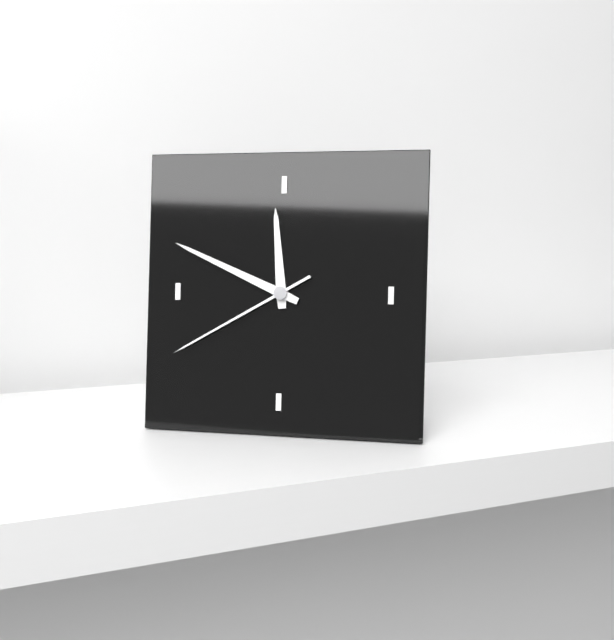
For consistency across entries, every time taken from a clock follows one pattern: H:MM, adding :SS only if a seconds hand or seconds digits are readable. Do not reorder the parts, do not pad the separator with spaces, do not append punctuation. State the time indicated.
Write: 11:49:40
